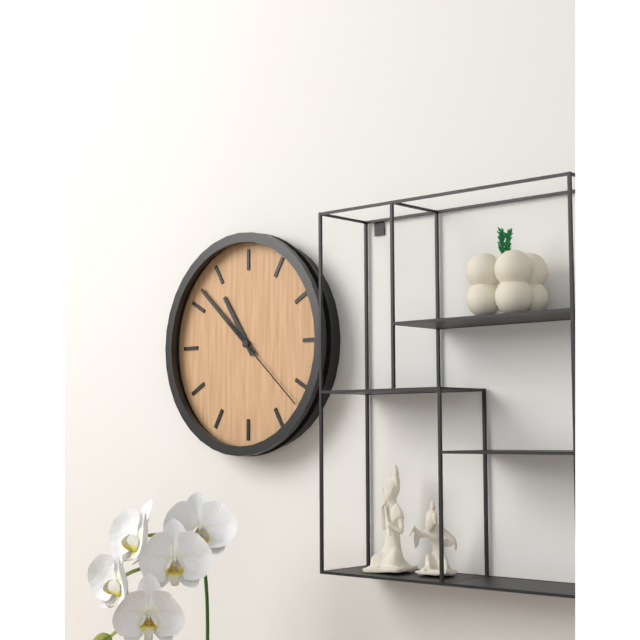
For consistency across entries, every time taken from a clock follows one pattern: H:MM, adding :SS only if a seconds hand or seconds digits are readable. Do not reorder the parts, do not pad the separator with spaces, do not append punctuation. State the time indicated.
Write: 10:52:22
